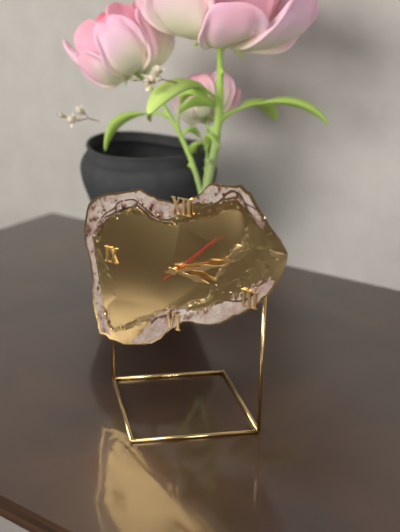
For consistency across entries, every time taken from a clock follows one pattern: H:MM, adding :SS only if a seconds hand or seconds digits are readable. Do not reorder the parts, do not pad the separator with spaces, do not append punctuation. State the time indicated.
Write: 3:12:08
